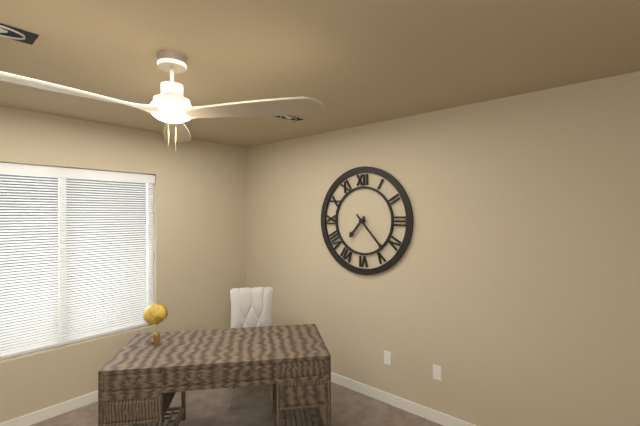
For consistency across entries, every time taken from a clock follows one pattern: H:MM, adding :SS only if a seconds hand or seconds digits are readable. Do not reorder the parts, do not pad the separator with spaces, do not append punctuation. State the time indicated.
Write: 7:23
